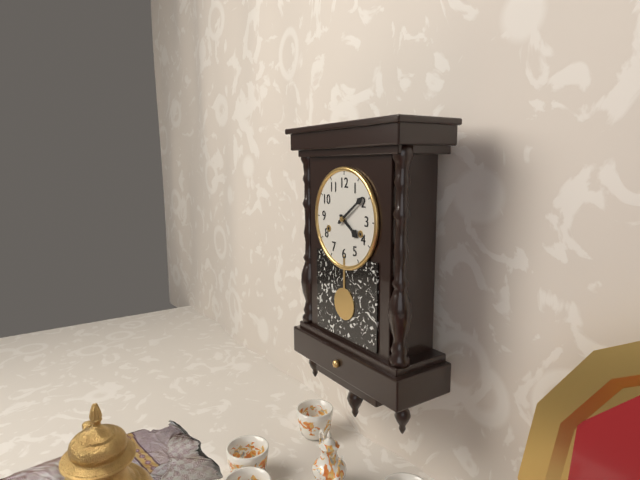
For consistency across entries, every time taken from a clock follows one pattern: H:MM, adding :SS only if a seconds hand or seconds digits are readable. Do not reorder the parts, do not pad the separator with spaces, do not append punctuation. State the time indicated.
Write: 4:09
